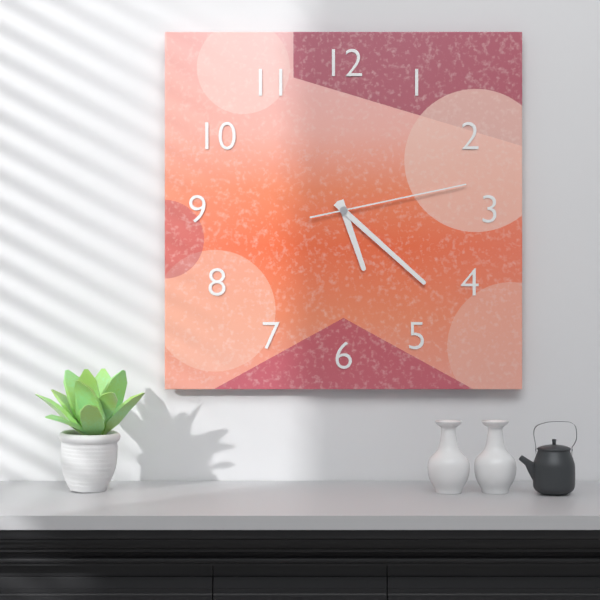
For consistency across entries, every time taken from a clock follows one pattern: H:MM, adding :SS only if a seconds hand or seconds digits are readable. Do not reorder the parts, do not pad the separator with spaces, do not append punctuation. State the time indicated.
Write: 5:22:13
